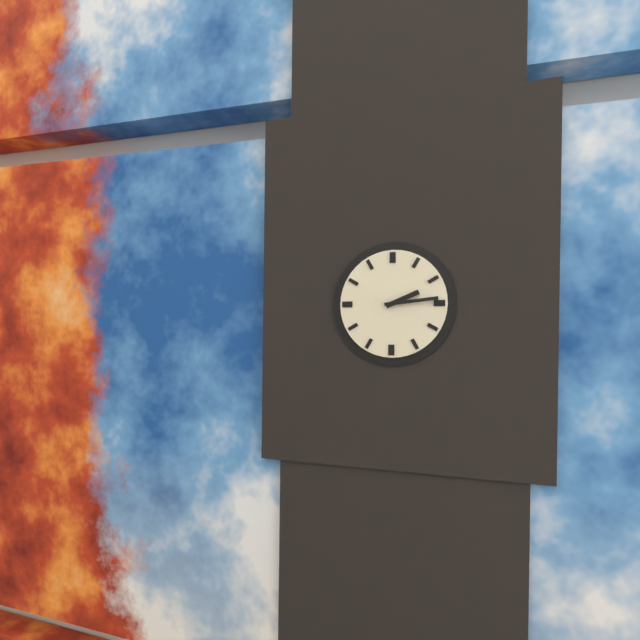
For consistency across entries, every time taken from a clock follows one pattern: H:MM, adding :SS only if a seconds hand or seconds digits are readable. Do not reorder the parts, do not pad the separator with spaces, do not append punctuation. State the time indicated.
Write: 2:14
